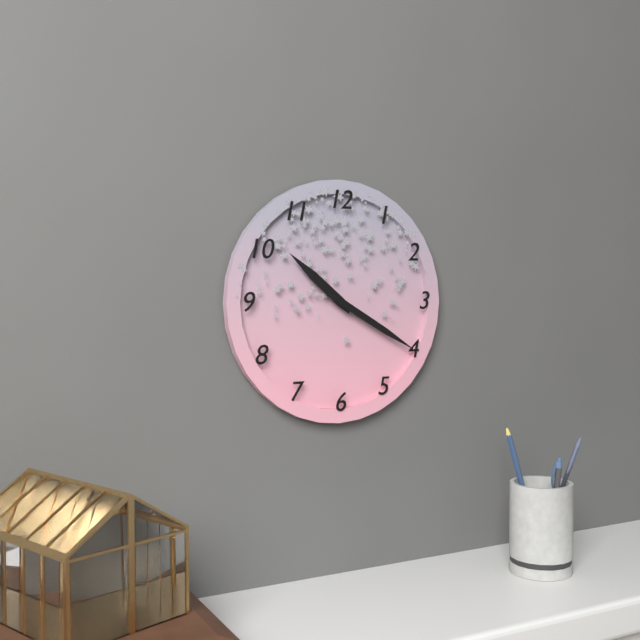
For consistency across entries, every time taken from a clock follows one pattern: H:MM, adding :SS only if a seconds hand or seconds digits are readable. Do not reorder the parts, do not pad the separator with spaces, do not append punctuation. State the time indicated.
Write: 10:20
